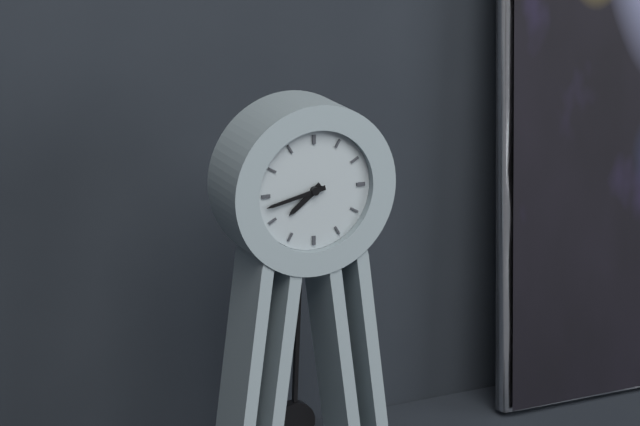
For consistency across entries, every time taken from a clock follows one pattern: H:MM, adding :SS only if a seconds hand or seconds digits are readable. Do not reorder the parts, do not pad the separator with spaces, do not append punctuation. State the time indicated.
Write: 7:43
